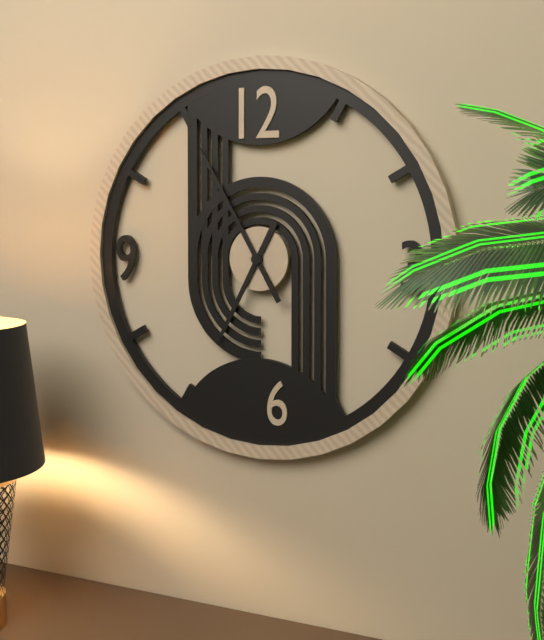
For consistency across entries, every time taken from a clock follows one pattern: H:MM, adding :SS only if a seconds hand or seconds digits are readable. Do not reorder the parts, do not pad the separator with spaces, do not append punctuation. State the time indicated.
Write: 6:55
